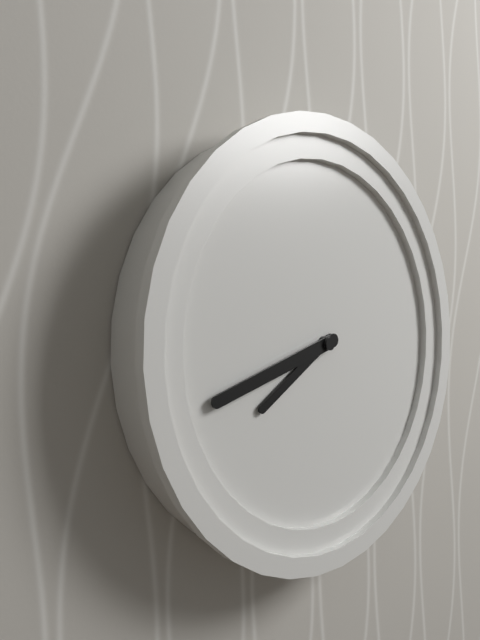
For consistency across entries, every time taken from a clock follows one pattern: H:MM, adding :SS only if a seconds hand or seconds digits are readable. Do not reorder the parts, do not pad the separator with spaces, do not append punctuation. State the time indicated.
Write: 7:41
